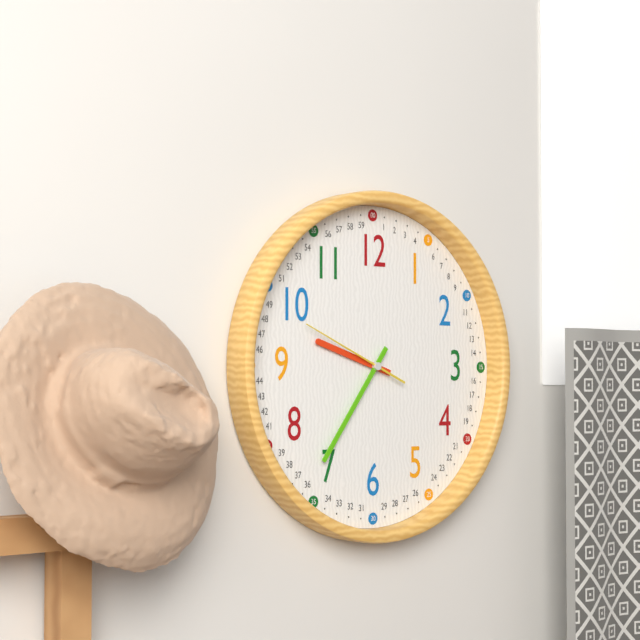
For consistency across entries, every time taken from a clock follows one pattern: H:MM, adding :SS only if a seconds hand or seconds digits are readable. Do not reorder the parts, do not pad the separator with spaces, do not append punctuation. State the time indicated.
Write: 9:36:49
